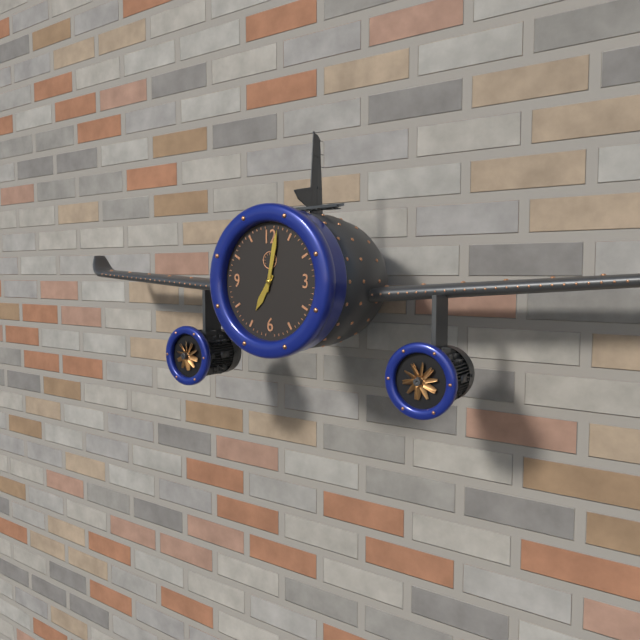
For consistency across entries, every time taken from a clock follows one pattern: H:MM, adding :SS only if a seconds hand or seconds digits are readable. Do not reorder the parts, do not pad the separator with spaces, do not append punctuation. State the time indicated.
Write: 7:02
